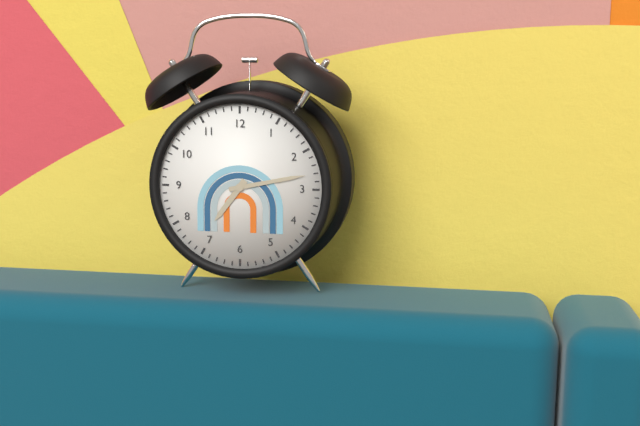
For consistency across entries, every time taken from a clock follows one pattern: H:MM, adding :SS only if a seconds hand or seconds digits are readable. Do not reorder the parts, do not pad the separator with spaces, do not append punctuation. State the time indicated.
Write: 7:13
